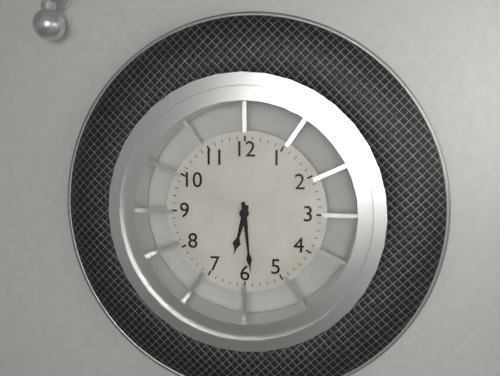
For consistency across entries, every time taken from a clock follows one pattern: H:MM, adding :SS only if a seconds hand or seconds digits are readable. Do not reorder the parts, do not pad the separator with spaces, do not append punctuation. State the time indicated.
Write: 6:29
